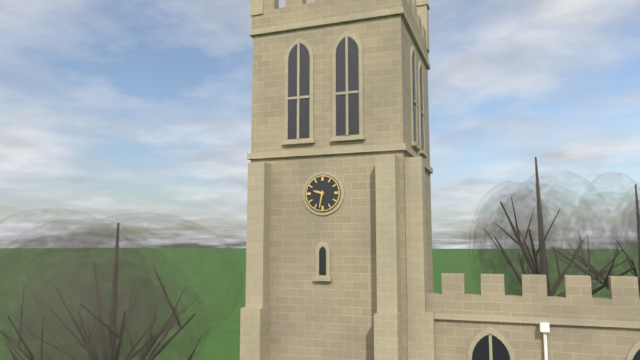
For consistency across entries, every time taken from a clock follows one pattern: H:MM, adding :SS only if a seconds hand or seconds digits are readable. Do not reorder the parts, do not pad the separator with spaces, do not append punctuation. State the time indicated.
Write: 9:32
